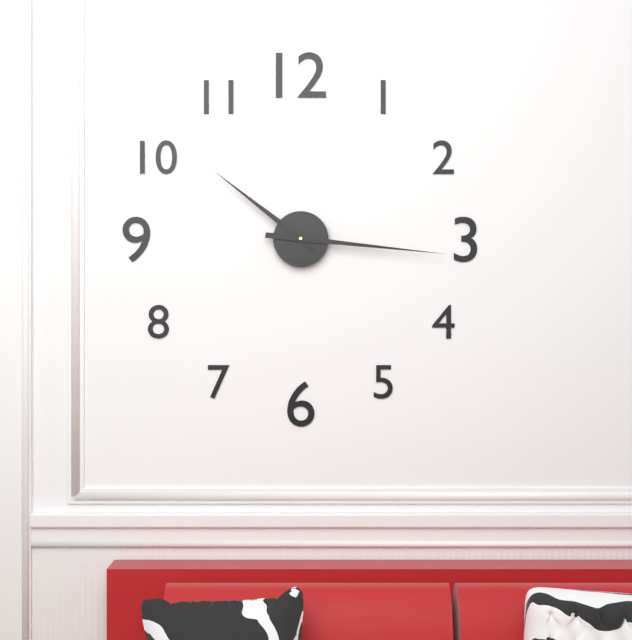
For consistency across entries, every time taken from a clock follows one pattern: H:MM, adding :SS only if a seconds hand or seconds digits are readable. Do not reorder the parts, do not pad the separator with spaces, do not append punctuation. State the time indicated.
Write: 10:16
